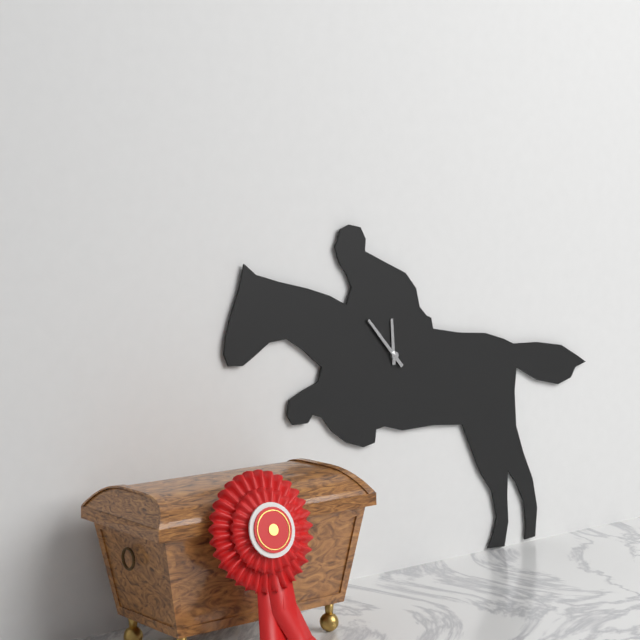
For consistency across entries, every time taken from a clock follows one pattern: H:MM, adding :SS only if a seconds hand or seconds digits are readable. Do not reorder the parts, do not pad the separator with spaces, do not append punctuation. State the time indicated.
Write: 11:53
